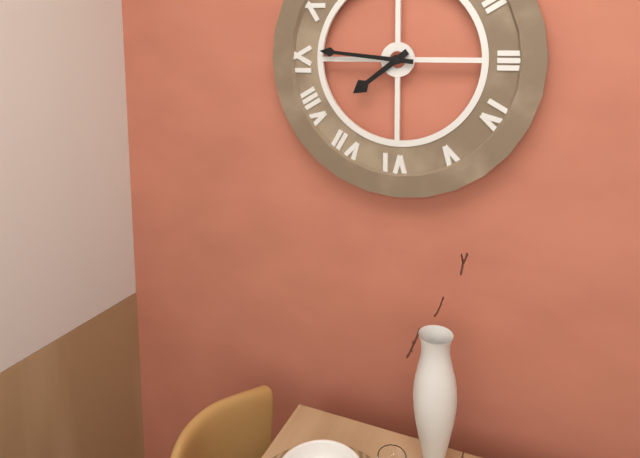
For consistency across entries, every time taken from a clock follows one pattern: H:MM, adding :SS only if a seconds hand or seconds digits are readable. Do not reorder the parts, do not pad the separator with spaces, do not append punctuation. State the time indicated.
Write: 7:46
